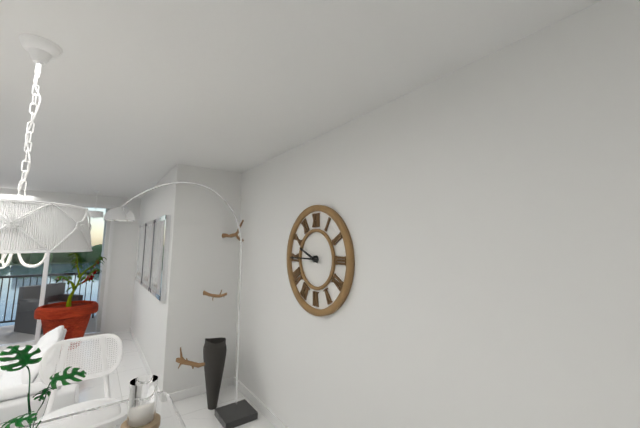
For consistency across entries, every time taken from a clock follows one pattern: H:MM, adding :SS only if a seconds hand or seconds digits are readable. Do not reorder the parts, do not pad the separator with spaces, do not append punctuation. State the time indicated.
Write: 9:45
